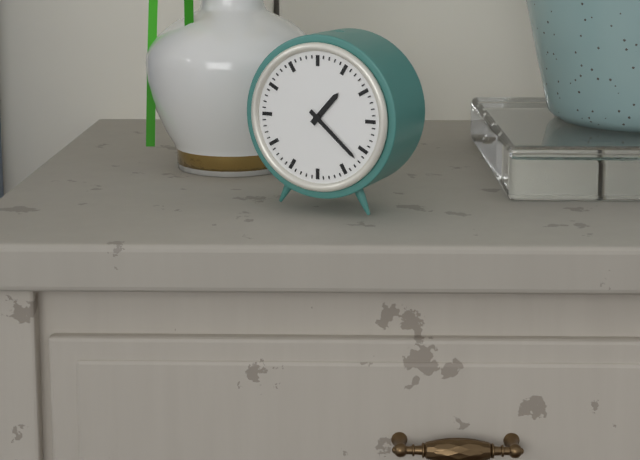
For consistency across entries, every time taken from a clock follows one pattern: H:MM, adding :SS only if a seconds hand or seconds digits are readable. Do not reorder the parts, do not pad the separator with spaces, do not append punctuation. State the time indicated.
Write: 1:22
